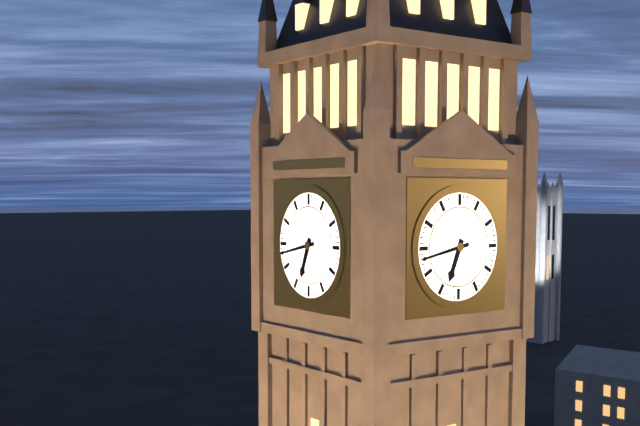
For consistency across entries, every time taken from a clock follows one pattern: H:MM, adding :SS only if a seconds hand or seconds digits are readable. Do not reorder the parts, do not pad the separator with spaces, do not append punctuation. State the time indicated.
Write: 6:43
